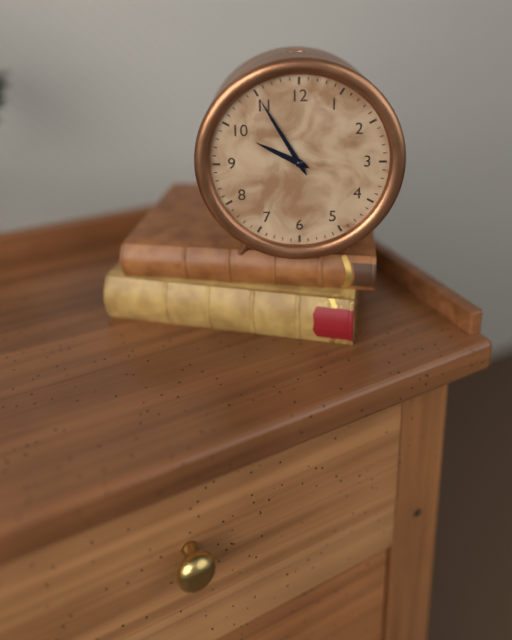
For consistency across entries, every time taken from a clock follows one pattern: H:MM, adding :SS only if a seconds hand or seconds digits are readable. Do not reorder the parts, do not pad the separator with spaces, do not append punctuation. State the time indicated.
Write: 9:55
